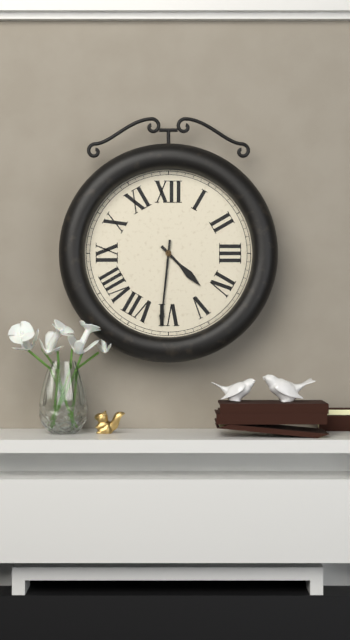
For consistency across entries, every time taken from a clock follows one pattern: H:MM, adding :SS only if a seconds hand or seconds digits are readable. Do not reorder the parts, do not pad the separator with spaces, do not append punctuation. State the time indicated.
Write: 4:31
